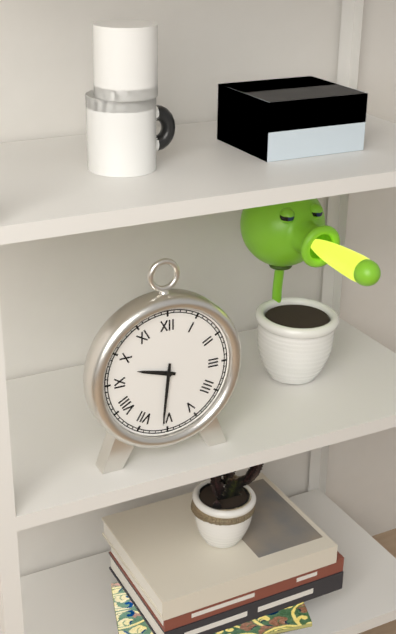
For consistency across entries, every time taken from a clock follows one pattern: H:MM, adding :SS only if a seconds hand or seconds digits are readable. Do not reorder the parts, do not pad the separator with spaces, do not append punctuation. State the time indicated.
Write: 9:31
